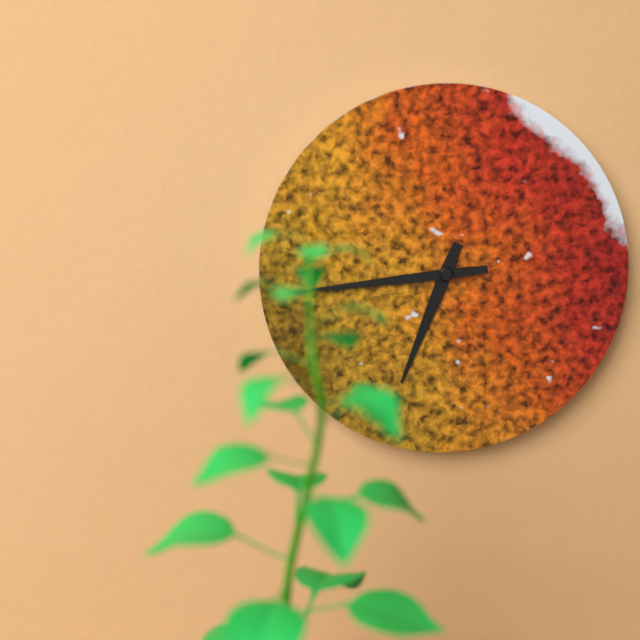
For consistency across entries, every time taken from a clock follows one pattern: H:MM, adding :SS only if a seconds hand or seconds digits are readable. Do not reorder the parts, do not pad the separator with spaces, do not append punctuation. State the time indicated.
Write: 6:44
